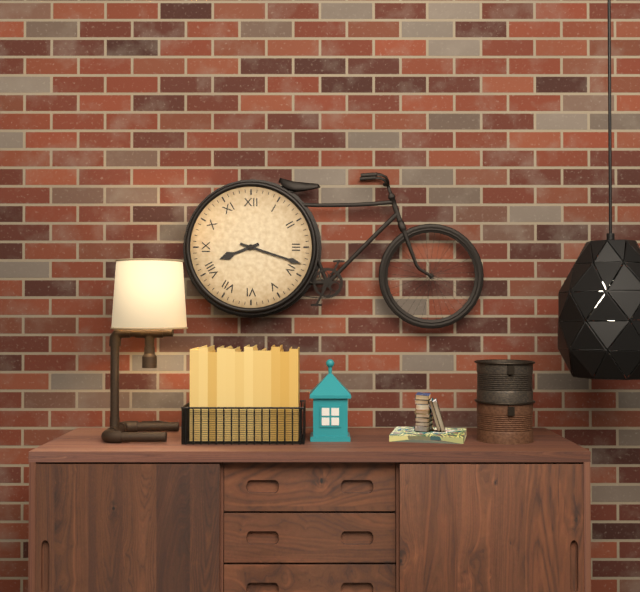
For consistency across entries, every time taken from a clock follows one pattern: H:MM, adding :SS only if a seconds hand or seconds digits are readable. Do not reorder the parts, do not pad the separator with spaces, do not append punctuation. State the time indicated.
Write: 8:18
